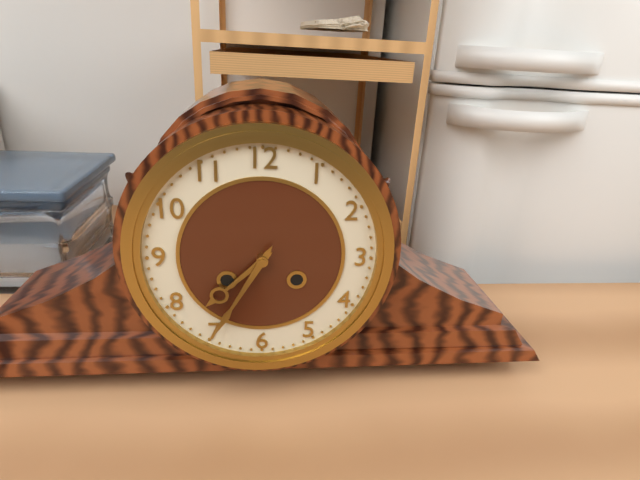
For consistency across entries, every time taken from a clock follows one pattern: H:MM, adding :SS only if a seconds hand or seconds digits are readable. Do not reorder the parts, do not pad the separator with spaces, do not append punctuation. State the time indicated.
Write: 7:35
